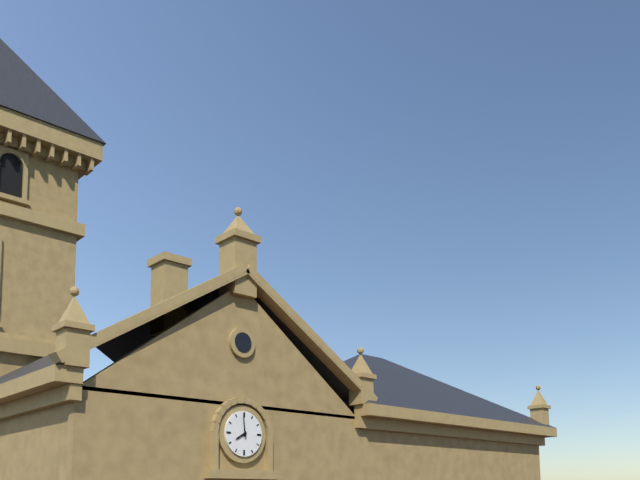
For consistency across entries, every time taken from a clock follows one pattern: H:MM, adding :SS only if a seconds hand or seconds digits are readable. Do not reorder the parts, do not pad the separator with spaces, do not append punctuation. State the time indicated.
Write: 7:59
